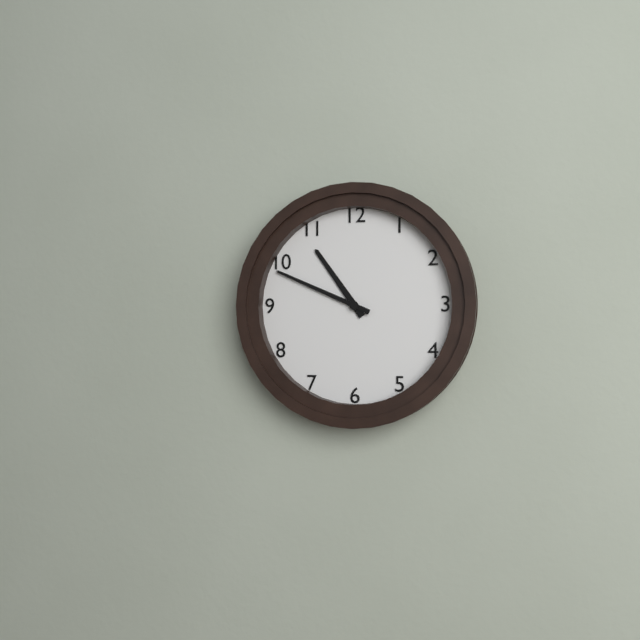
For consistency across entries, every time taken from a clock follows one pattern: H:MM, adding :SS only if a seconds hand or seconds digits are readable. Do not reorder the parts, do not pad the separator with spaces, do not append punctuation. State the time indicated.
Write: 10:49
